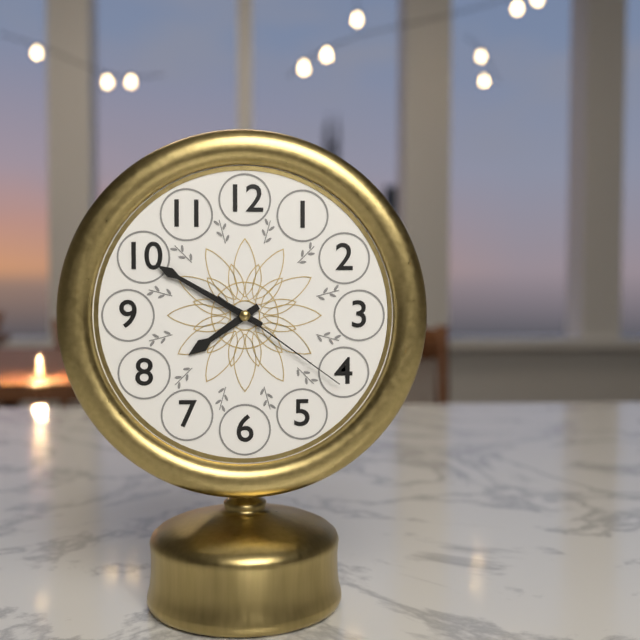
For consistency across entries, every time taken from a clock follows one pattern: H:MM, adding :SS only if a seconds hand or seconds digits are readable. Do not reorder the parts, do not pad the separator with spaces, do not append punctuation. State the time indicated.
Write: 7:50:21
